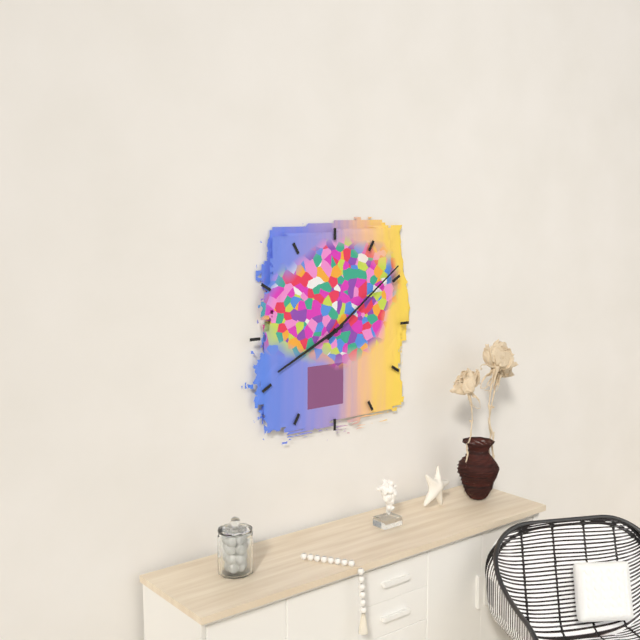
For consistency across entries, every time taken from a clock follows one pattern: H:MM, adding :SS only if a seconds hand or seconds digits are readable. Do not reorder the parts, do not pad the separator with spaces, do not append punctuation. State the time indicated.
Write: 8:09
